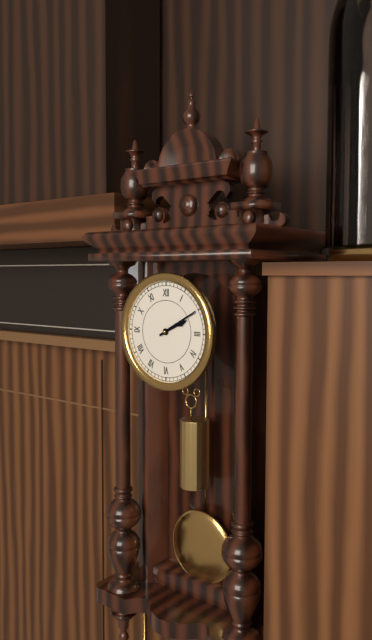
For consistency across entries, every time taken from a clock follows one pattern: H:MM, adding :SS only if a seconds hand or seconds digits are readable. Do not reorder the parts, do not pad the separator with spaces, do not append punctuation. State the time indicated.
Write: 2:10
